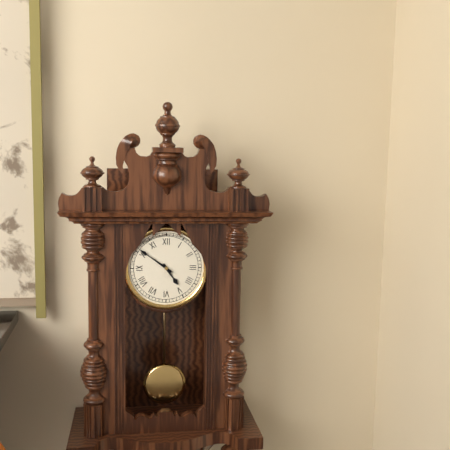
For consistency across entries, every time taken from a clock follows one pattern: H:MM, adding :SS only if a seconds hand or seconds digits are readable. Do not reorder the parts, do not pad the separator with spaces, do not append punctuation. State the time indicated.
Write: 4:51
